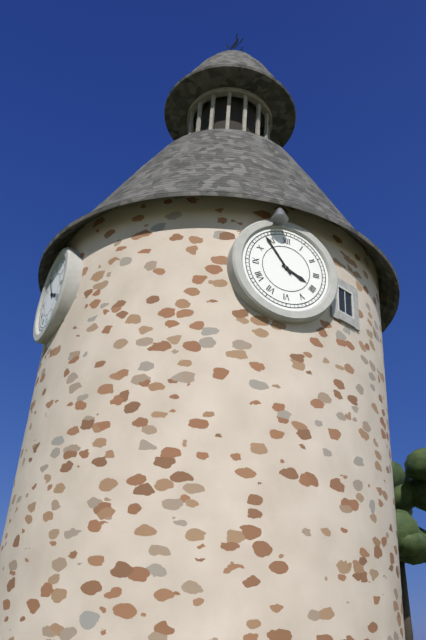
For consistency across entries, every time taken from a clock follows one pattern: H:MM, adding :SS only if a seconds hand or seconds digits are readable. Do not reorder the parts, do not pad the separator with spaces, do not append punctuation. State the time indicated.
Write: 3:54
